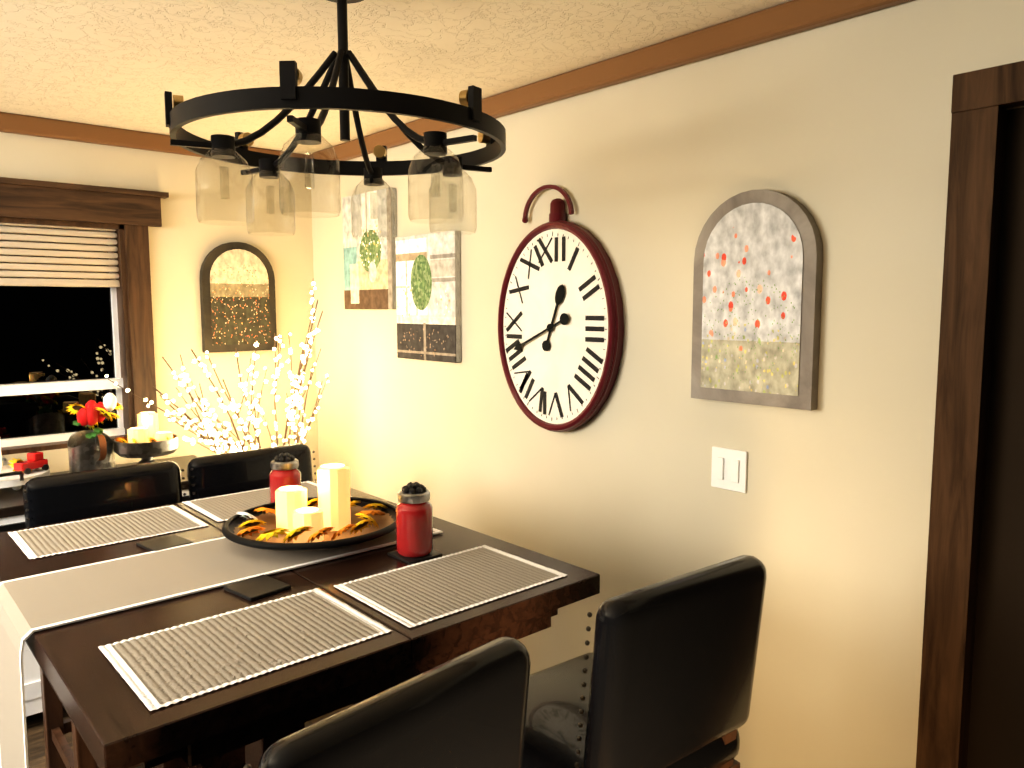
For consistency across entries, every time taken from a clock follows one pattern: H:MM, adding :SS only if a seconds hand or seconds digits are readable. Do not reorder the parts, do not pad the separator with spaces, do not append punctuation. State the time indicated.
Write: 12:41
